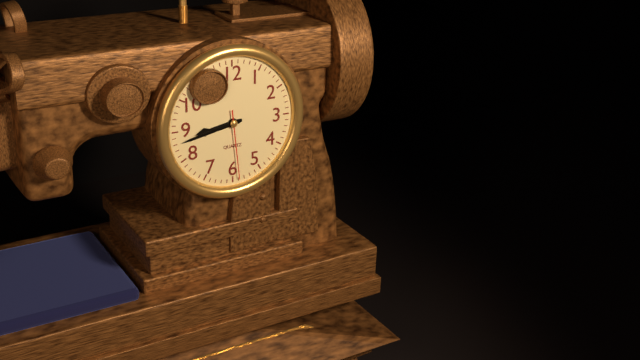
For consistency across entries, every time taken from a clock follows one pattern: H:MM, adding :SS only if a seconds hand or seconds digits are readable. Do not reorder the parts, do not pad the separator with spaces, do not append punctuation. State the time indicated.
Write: 8:43:29
